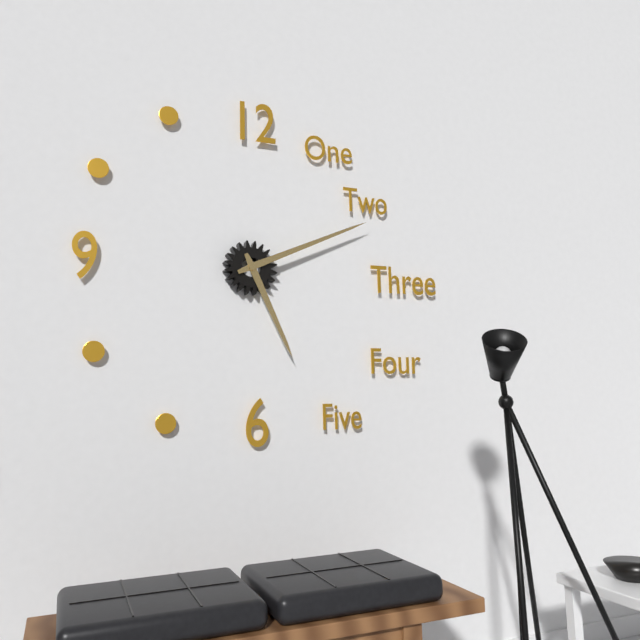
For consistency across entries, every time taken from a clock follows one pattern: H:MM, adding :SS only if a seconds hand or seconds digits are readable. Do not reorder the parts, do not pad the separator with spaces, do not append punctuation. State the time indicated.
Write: 5:11
